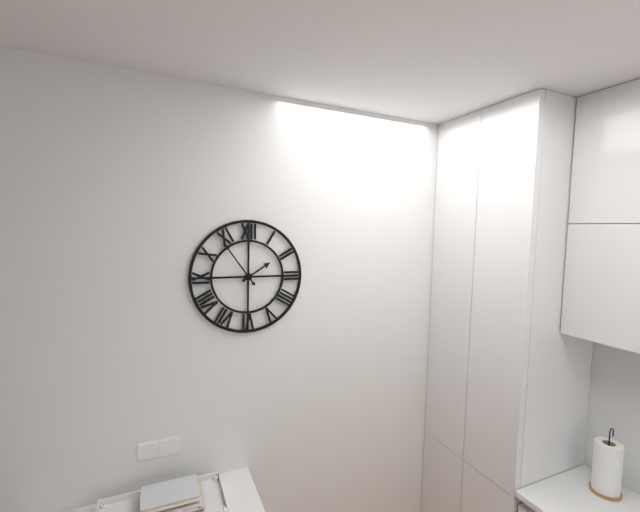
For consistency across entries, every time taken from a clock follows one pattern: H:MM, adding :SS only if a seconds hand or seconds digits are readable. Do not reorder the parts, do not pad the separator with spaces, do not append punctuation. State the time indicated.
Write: 1:54
